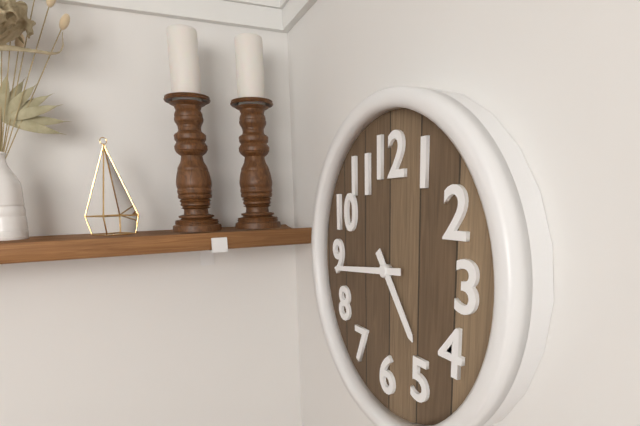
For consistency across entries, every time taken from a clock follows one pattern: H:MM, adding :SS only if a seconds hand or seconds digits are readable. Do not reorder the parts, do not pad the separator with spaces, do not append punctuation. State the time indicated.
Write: 4:44
